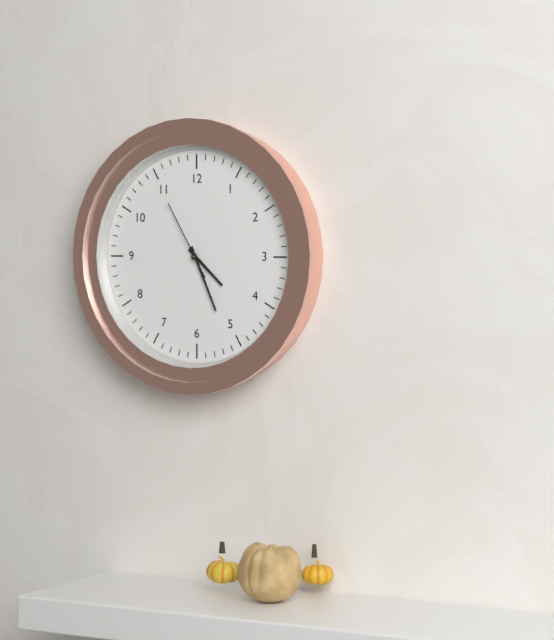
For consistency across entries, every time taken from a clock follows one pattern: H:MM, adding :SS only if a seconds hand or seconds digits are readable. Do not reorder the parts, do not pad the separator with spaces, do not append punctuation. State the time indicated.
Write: 4:26:55
